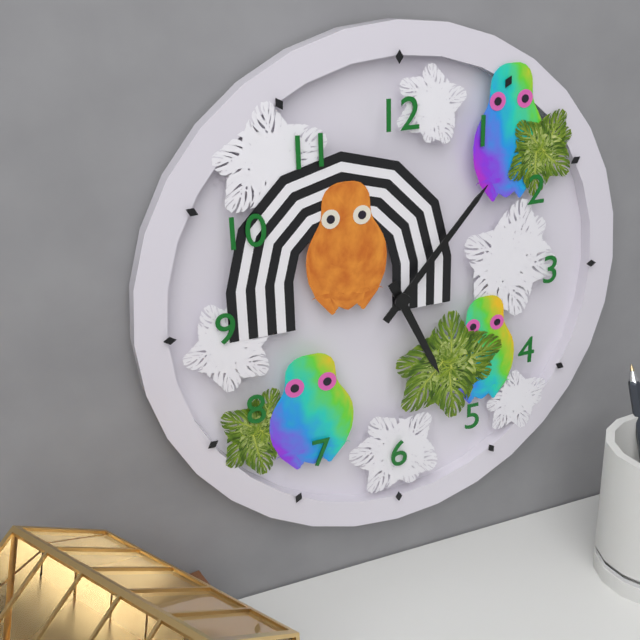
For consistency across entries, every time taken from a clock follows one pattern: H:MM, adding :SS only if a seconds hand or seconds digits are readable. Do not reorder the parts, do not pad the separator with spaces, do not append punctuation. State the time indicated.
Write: 5:07
